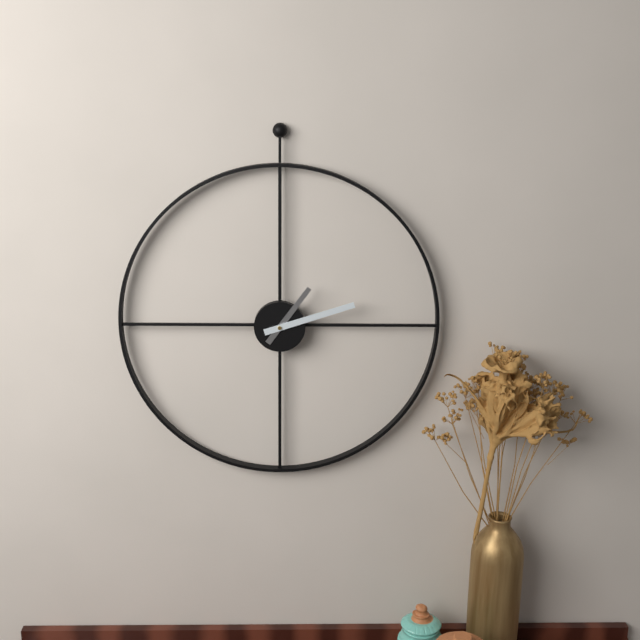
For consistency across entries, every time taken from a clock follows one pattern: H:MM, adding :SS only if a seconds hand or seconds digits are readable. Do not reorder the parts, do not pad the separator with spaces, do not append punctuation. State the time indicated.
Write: 1:12
